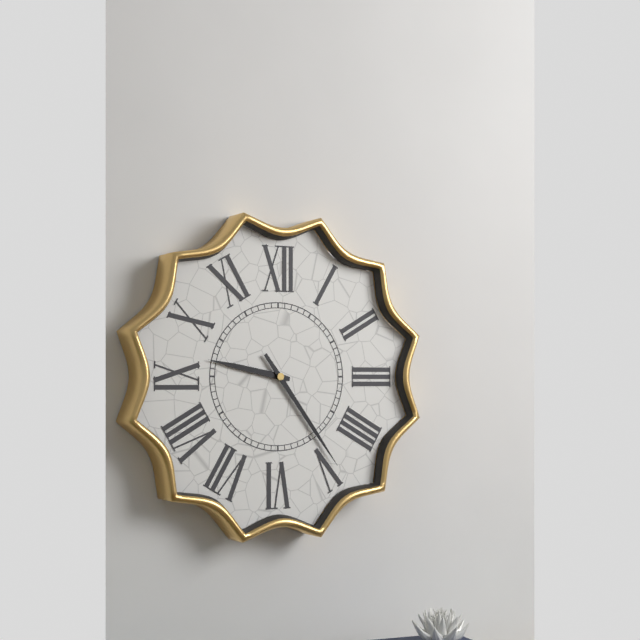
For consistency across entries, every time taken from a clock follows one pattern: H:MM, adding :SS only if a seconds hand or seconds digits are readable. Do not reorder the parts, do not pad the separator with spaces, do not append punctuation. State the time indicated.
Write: 9:24
